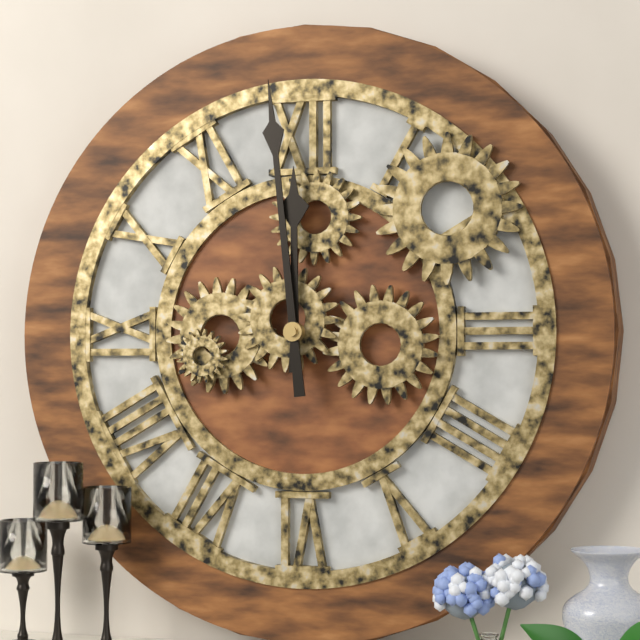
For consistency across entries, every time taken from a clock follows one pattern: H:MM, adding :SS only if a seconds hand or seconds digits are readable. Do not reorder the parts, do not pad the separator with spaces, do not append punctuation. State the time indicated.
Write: 11:59
